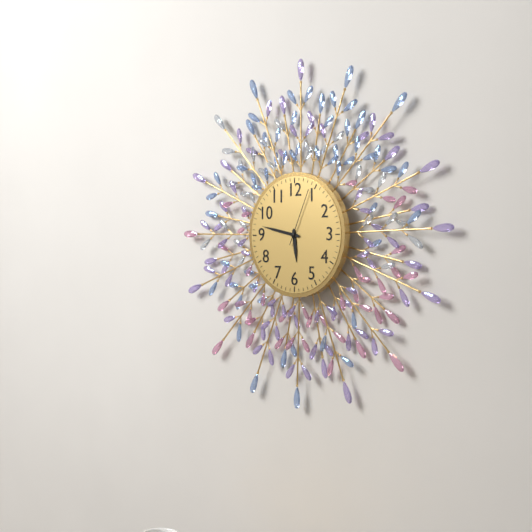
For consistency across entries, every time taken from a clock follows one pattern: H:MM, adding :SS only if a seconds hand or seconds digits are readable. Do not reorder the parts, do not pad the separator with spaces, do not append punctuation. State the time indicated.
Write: 5:47:04
